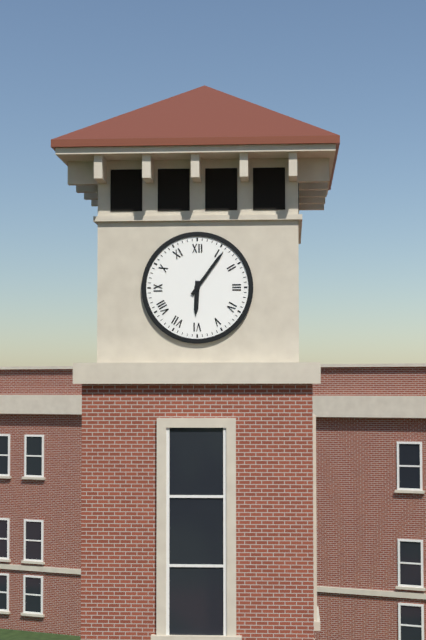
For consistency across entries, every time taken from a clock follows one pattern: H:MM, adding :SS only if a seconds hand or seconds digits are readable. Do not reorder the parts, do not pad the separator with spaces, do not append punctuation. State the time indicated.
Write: 6:06
